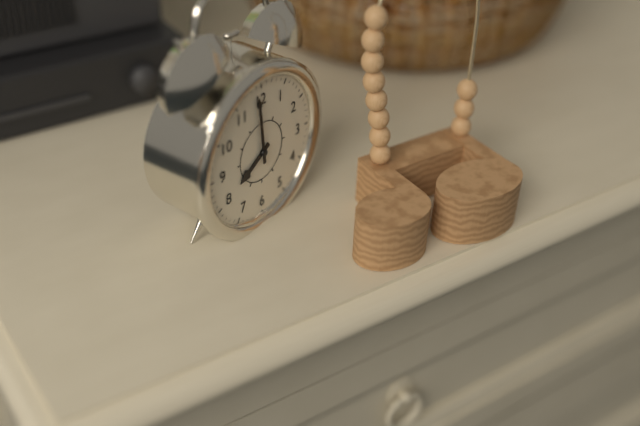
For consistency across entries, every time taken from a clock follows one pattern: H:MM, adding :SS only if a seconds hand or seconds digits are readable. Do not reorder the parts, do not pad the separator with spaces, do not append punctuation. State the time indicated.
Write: 7:59
